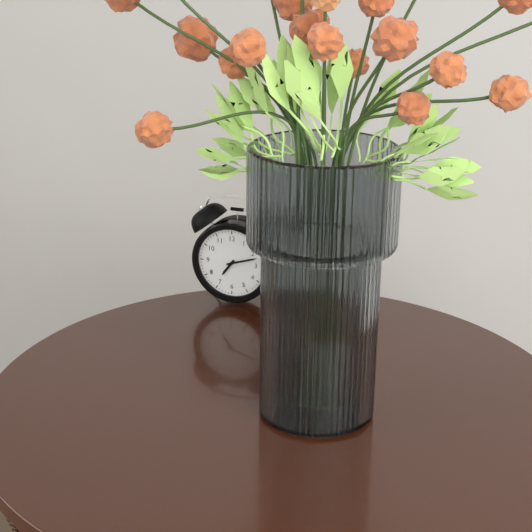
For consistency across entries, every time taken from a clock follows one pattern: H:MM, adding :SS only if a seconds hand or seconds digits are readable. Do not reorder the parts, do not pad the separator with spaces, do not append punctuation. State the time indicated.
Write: 7:12
